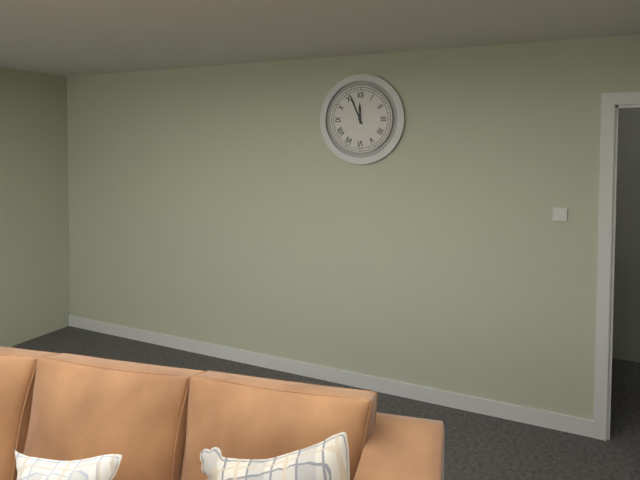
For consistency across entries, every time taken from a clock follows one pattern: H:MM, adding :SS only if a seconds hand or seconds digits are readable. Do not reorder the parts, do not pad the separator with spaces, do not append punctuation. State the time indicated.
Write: 11:56
